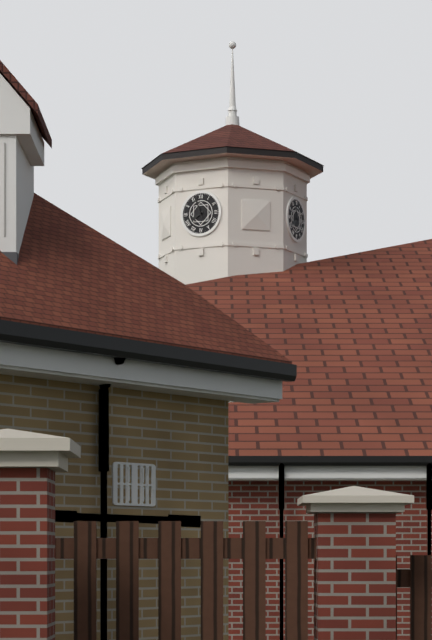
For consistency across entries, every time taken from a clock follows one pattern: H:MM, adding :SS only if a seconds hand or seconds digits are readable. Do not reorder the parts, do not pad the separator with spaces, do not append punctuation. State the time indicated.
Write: 7:57
